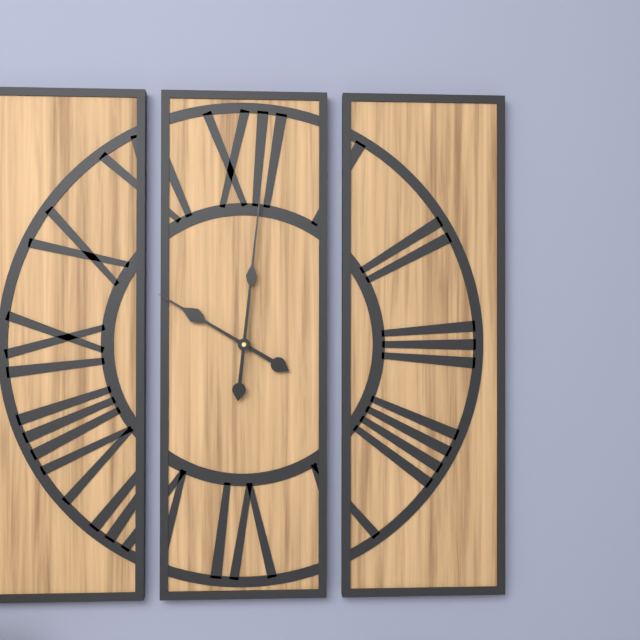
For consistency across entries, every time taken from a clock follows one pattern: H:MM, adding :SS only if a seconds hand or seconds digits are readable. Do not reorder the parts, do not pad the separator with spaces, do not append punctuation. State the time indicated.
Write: 10:01
